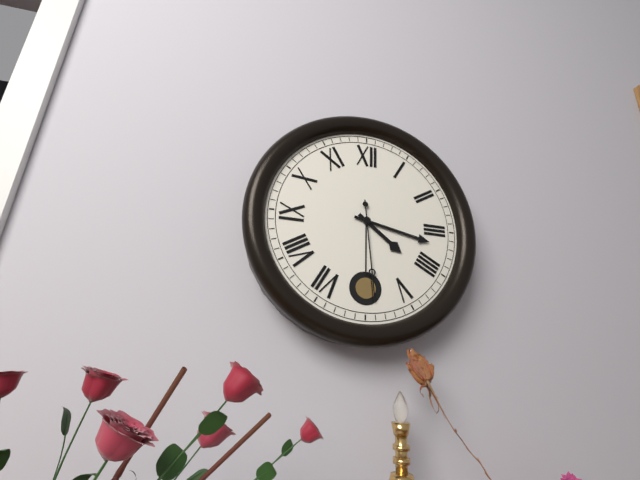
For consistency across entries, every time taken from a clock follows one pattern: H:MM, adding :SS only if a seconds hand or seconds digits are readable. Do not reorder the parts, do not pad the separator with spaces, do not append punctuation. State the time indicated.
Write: 4:17:29
